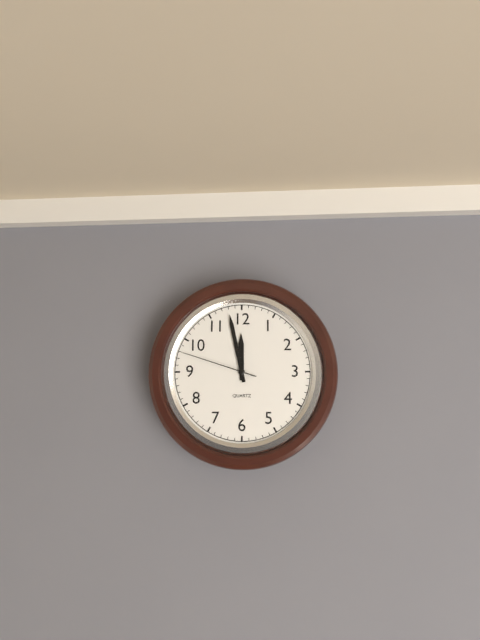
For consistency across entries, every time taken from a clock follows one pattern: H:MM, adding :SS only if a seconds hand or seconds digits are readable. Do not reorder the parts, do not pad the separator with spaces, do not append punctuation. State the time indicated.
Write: 11:58:48
